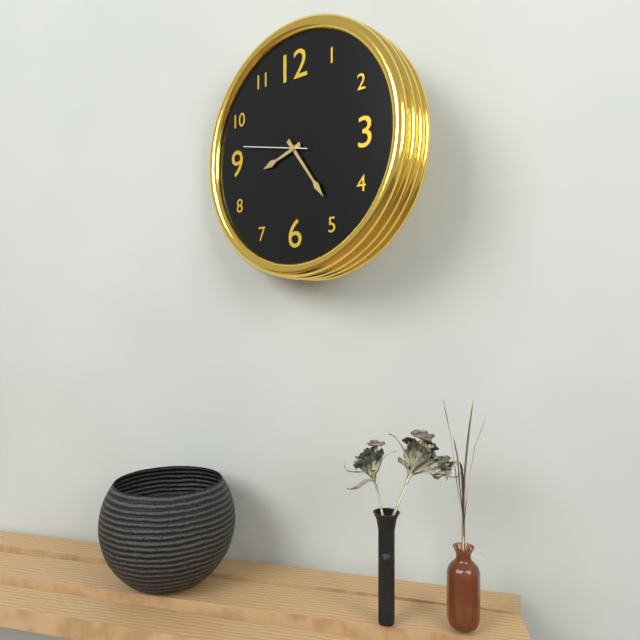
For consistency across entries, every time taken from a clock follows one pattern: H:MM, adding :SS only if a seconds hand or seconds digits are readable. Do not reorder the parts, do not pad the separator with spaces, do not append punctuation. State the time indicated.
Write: 8:24:47
